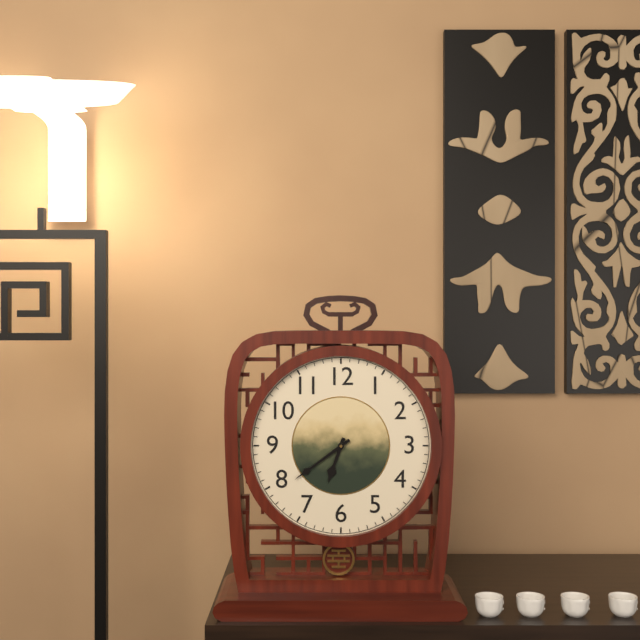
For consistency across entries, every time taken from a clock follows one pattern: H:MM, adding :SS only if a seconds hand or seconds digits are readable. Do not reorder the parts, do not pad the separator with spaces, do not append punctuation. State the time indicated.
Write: 6:39
